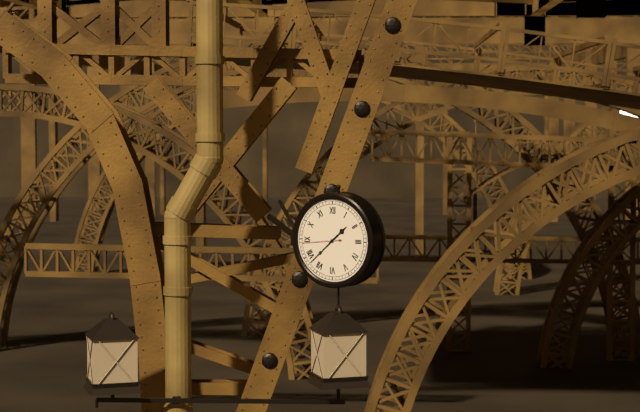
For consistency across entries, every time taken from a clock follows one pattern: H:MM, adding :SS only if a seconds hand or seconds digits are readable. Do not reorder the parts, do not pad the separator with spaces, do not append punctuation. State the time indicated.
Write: 1:38
